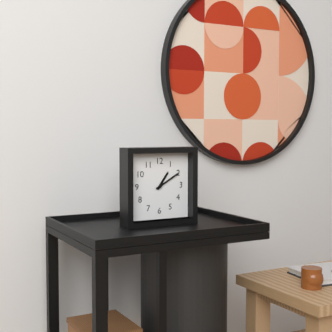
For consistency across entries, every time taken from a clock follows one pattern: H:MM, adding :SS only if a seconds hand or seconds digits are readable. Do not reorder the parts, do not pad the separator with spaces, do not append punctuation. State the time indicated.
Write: 1:10
